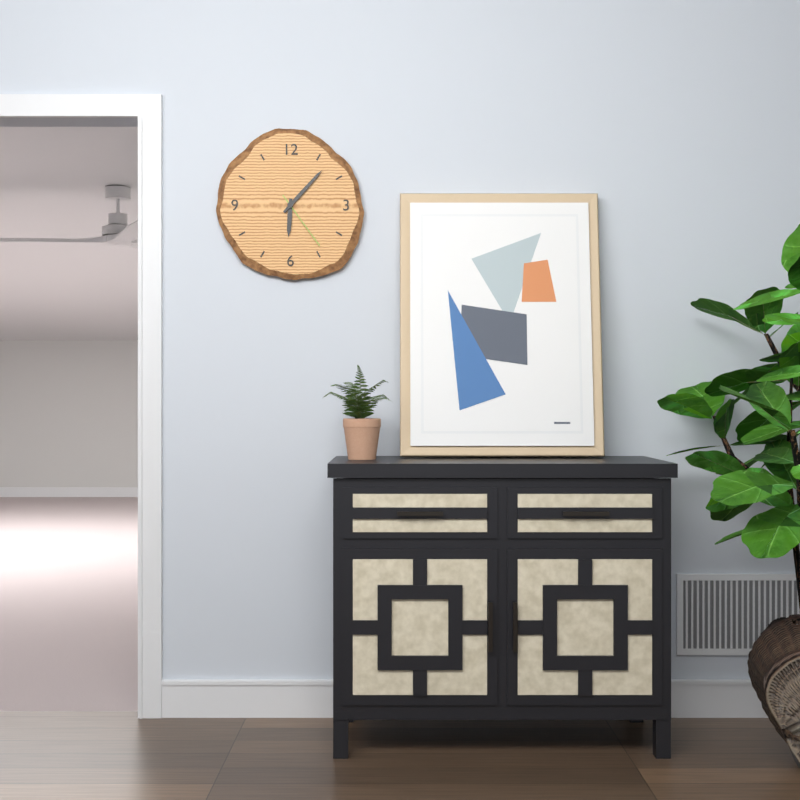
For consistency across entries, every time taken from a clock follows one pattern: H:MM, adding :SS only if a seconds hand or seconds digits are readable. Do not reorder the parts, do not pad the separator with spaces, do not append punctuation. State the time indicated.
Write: 6:07:24
